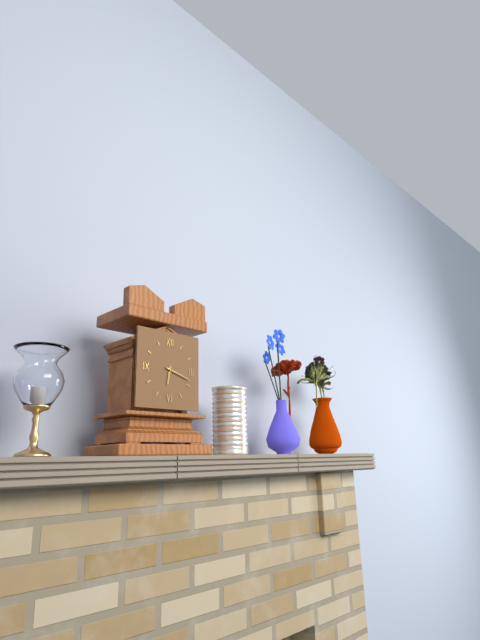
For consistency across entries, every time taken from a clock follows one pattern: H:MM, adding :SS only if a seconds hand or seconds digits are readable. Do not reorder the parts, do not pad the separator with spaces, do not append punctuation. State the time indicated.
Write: 6:18
